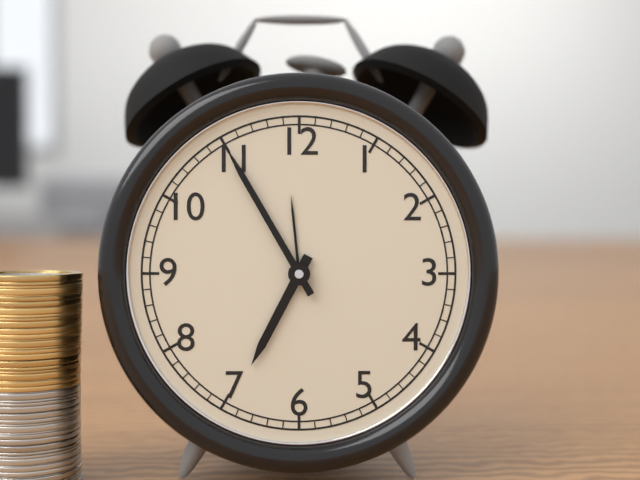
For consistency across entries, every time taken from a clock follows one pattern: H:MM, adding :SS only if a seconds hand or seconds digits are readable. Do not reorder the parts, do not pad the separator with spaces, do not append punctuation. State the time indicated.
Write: 6:55
